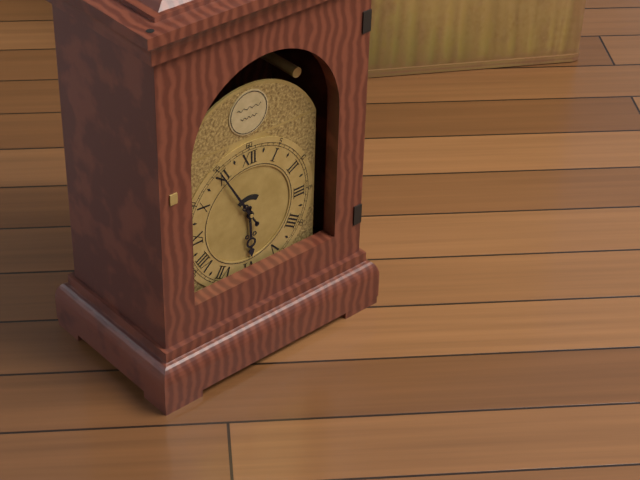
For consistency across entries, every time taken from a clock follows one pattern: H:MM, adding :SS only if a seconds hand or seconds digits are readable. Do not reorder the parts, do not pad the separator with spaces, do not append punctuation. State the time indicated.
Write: 5:55
